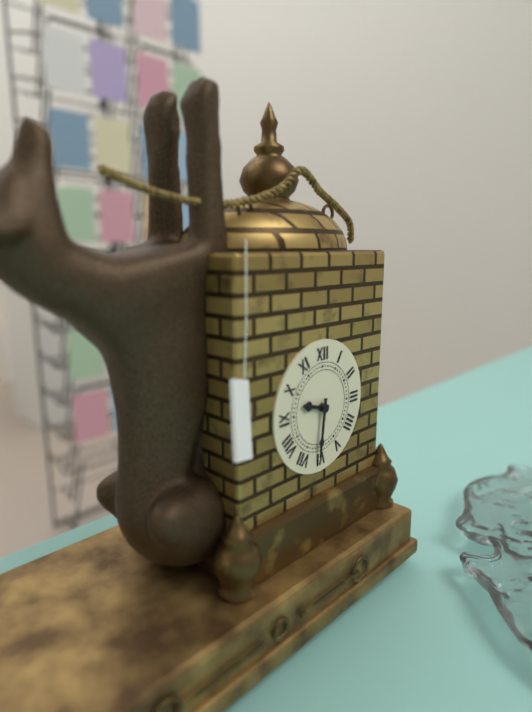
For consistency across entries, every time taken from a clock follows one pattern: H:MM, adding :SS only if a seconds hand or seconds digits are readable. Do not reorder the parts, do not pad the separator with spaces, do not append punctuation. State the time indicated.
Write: 9:31
